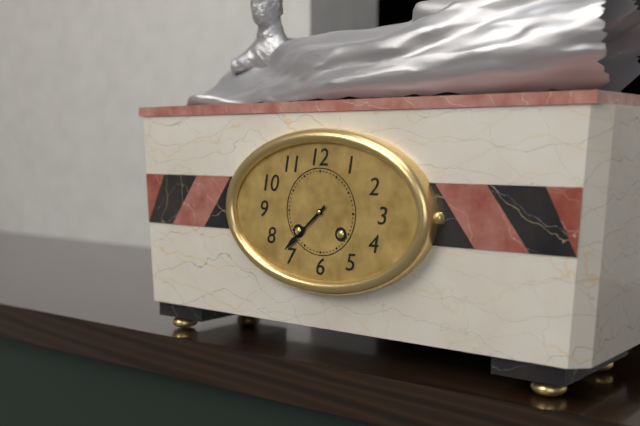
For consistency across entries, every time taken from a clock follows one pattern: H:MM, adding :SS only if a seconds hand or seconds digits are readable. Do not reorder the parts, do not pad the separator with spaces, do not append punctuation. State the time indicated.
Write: 7:38
